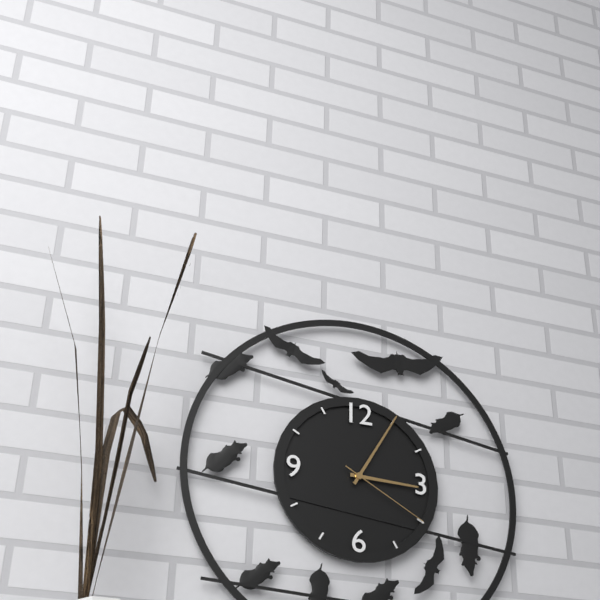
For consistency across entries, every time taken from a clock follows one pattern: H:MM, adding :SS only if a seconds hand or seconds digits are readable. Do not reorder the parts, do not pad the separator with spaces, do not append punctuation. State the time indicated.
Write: 3:05:20
